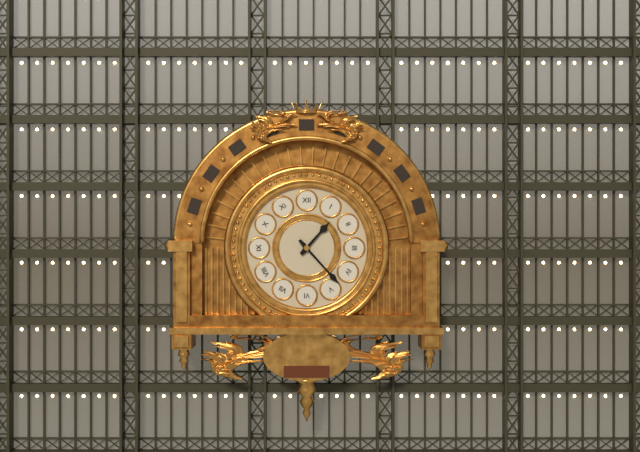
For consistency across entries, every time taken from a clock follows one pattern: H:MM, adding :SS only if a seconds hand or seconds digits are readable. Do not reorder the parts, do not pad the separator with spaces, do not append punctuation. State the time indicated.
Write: 1:23
